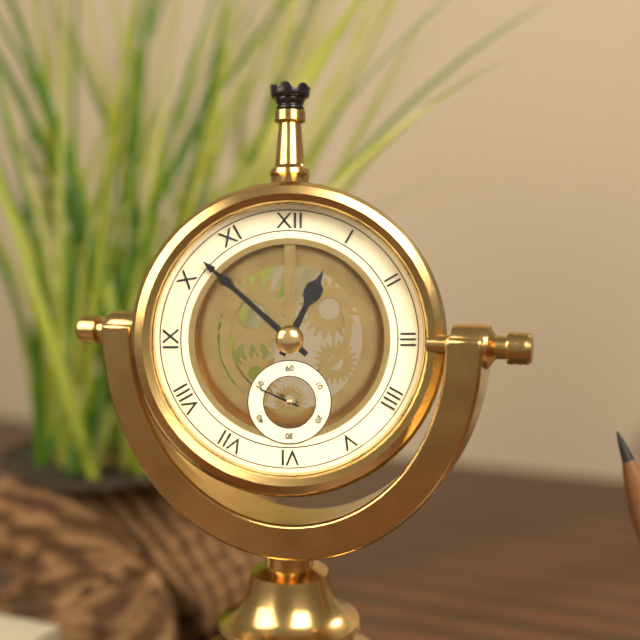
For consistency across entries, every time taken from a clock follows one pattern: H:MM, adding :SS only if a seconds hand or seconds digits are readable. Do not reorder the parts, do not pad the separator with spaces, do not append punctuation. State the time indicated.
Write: 12:52
